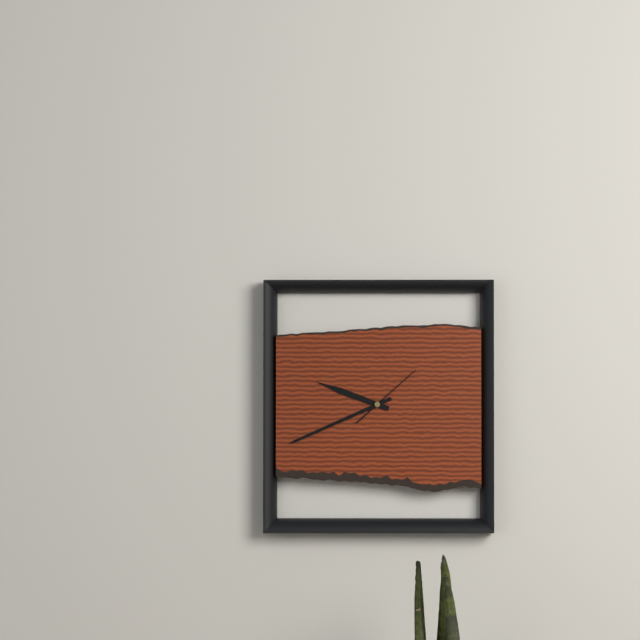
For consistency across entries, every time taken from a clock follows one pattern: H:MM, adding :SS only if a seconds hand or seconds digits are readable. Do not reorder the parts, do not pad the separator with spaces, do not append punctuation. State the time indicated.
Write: 9:41:08
